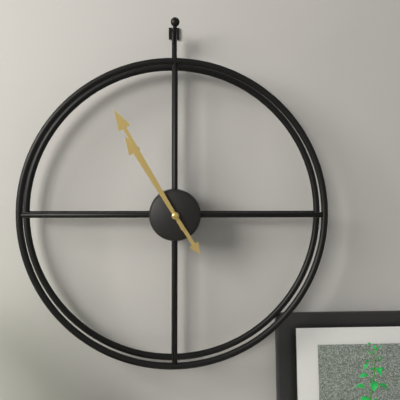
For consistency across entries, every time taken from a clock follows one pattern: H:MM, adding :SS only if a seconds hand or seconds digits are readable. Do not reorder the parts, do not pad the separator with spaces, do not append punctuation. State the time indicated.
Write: 10:55
